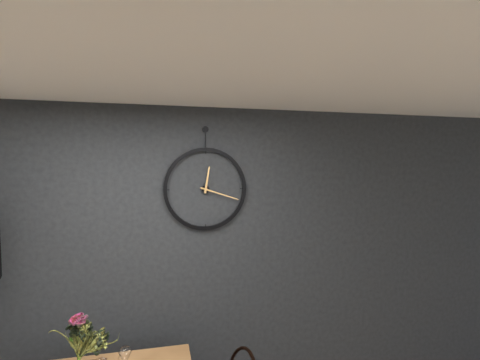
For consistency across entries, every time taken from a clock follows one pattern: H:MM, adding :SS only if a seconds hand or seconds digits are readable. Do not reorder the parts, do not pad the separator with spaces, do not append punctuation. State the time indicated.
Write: 12:18
